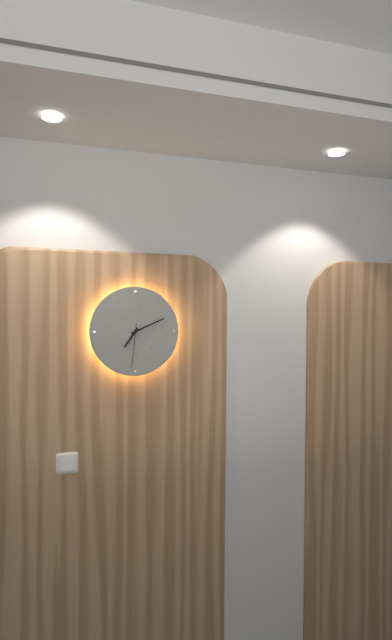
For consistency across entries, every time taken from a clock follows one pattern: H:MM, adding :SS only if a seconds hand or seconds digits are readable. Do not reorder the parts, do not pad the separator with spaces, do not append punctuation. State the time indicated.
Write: 7:11
